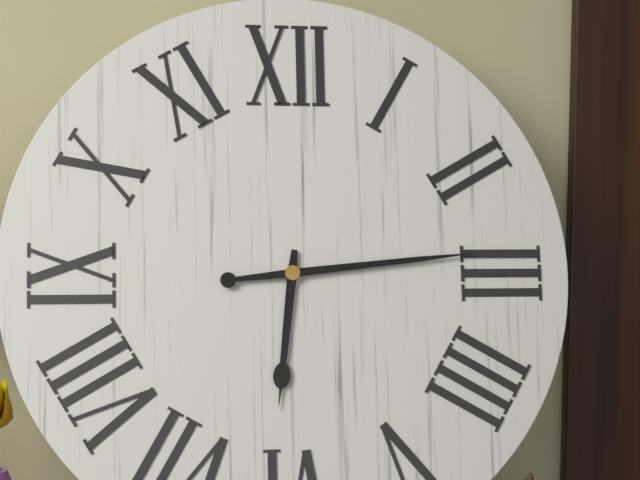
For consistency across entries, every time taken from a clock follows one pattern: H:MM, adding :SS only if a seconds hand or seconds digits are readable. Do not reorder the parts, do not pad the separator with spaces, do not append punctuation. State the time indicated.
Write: 6:14
